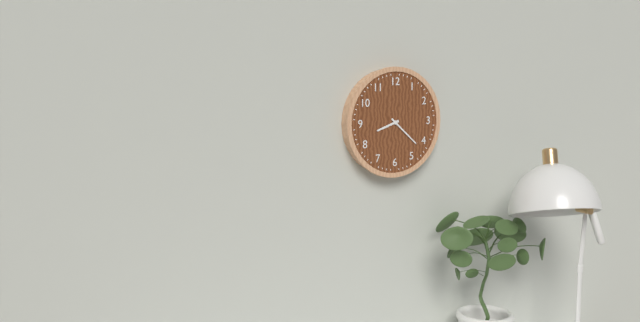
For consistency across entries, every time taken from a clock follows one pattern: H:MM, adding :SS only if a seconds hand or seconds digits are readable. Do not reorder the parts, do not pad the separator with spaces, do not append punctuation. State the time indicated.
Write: 8:22
